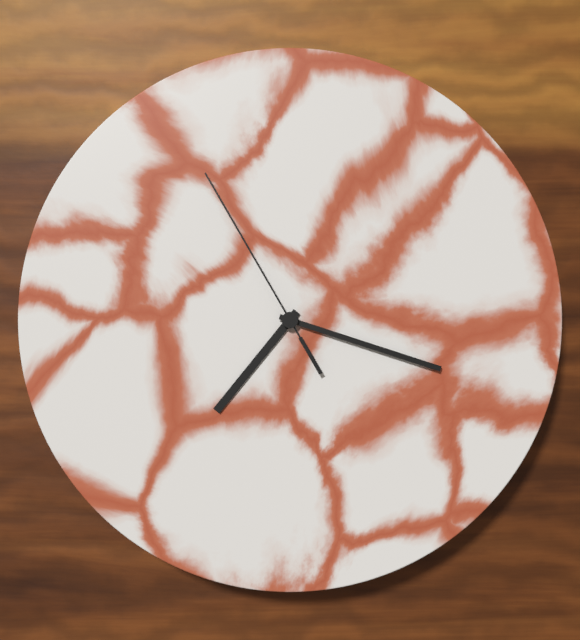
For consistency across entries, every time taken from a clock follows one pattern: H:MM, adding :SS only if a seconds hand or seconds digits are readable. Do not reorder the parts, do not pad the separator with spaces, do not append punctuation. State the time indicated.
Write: 7:18:55
